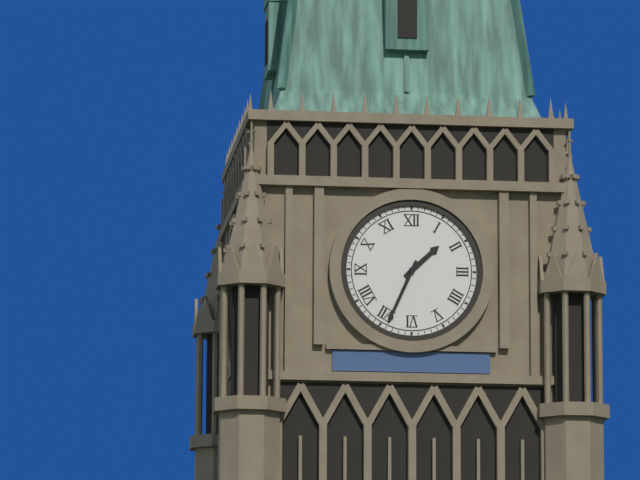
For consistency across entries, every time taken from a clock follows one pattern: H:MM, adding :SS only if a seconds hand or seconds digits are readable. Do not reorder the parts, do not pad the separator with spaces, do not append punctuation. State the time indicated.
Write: 1:34
